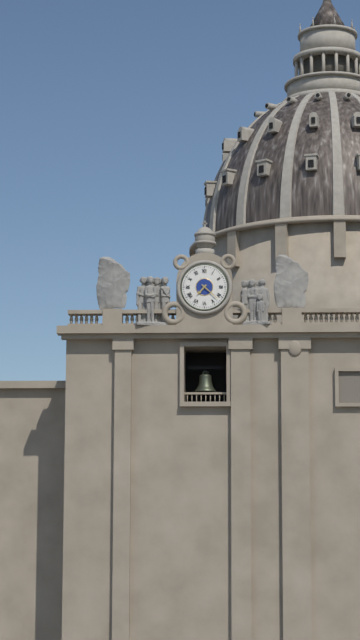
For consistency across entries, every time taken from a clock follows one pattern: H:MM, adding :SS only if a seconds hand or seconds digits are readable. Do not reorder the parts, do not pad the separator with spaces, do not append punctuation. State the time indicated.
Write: 7:22
